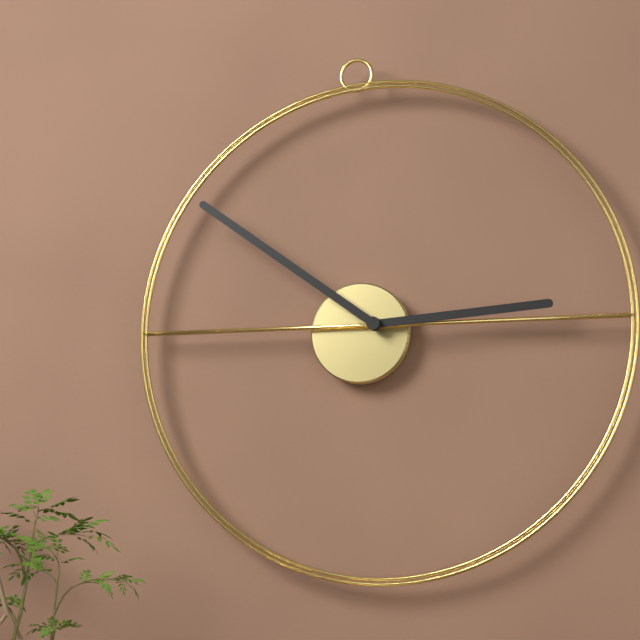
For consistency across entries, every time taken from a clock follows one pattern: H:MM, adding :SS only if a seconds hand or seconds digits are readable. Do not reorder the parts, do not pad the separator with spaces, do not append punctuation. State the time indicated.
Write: 2:51
